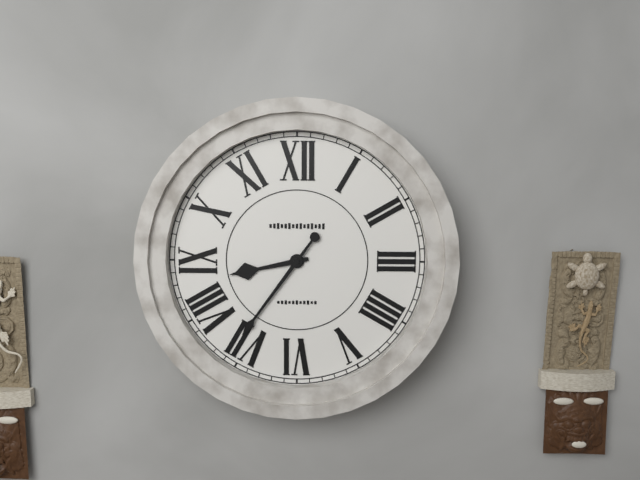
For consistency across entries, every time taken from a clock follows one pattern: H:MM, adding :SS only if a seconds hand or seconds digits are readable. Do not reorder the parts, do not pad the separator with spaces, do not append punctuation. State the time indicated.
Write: 8:36
